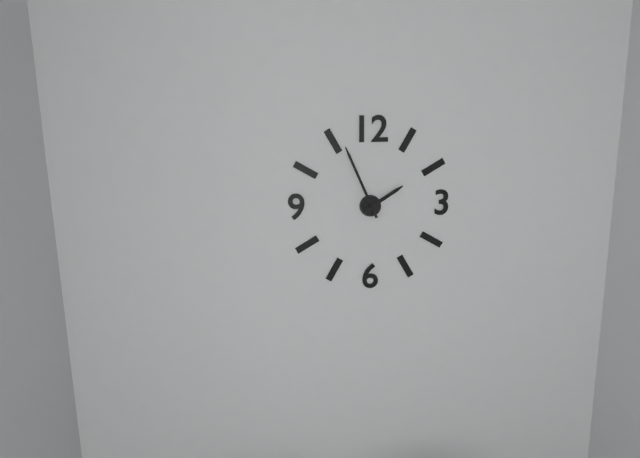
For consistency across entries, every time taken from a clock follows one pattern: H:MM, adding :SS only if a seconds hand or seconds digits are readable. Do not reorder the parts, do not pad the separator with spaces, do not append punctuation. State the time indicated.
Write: 1:56
